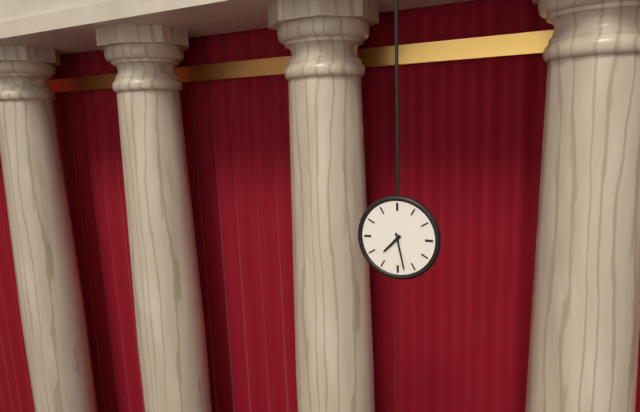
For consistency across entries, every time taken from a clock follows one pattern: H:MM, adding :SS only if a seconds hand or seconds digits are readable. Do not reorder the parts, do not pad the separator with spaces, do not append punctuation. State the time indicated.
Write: 7:28
